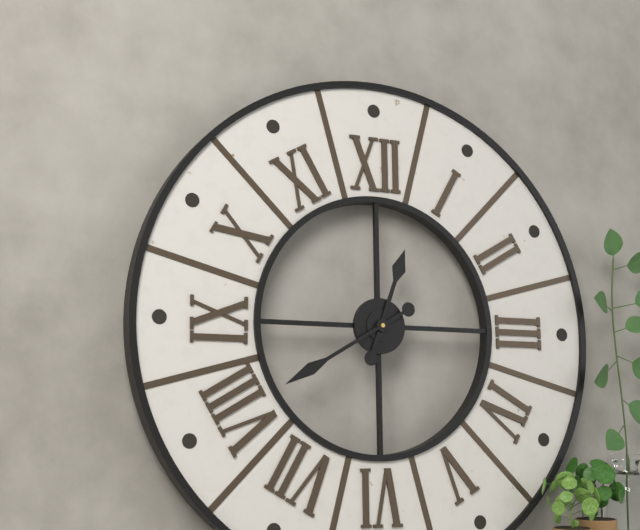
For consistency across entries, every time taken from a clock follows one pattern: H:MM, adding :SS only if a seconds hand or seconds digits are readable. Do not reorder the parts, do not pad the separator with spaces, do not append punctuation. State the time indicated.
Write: 12:40
